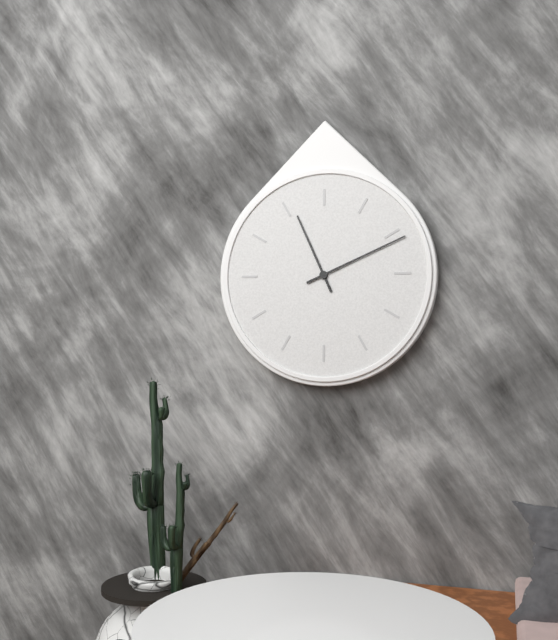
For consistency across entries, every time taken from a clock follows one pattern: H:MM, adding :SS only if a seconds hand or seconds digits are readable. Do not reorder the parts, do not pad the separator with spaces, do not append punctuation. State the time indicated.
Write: 11:11
